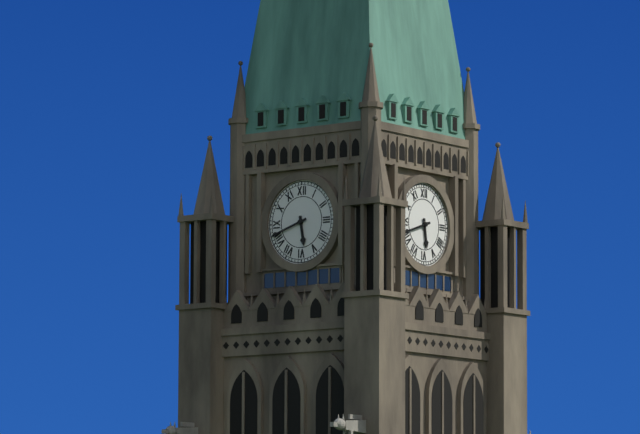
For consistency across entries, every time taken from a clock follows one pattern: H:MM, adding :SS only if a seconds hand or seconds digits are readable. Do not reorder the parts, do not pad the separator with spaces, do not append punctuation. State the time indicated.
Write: 5:42
